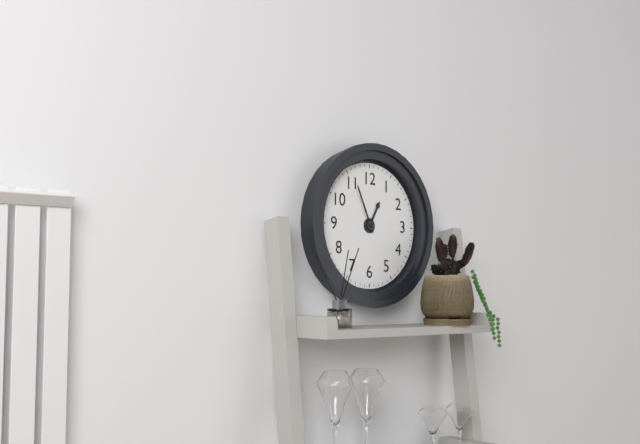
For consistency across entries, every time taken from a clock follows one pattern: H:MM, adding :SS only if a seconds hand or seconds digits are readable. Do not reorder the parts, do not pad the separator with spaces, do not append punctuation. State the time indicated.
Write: 12:56
